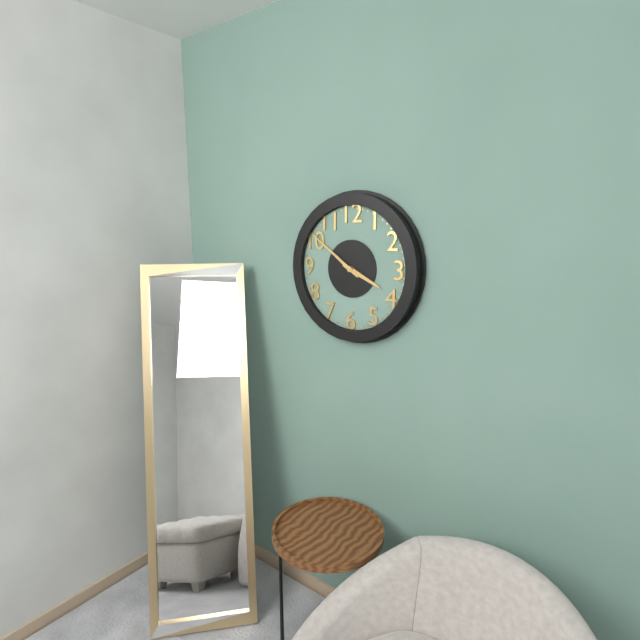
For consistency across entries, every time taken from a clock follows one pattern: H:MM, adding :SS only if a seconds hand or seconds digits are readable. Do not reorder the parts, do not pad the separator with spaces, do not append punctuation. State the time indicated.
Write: 3:51
